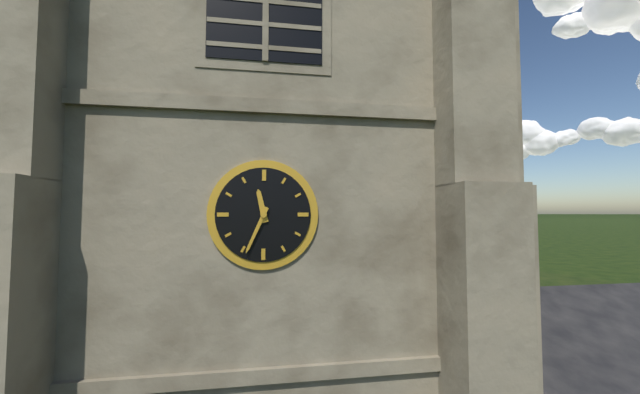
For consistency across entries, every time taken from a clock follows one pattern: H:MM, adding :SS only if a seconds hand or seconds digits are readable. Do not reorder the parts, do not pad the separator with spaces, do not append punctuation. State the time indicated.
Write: 11:34
